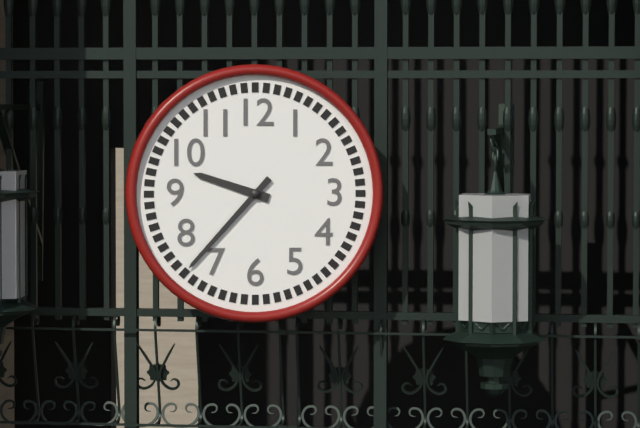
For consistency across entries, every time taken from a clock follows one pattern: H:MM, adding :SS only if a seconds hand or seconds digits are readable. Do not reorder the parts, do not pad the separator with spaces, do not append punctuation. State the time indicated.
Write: 9:37
